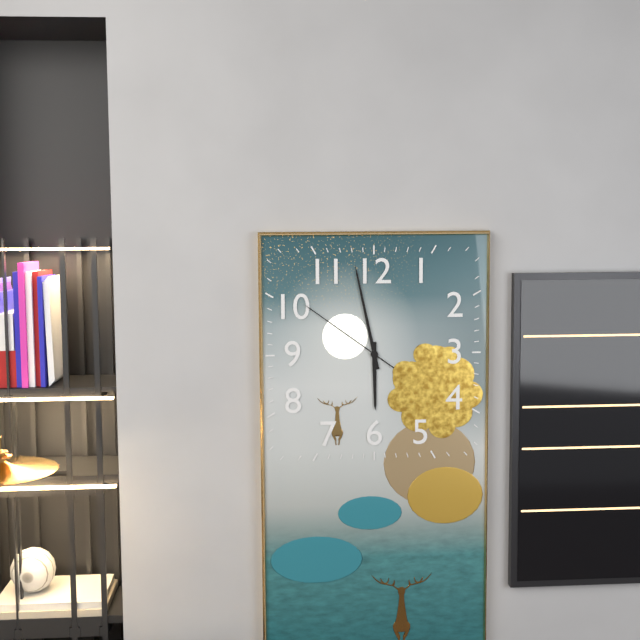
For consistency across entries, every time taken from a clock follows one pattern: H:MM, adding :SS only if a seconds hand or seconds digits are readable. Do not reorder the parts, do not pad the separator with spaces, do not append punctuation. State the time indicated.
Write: 5:58:51
